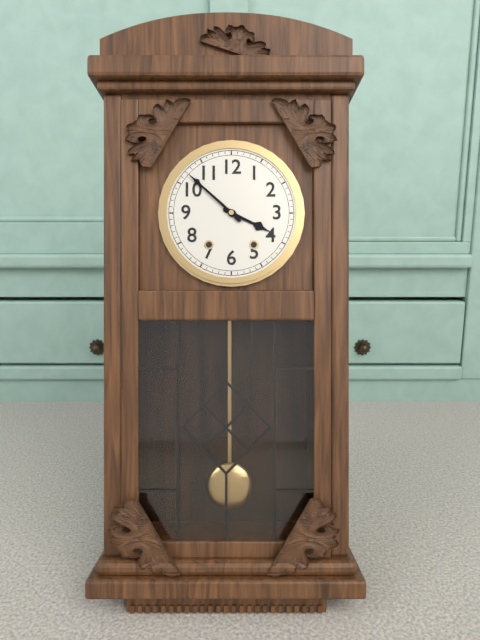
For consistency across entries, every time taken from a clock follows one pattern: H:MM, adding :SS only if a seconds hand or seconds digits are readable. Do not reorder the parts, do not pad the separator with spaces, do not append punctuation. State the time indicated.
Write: 3:52
